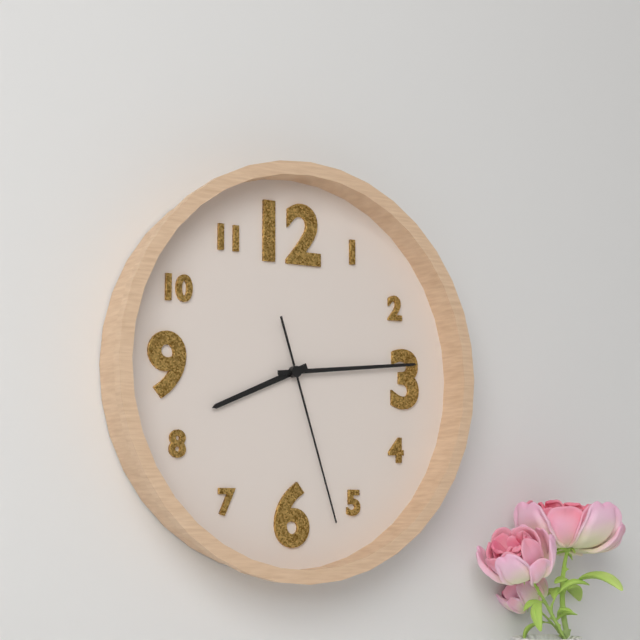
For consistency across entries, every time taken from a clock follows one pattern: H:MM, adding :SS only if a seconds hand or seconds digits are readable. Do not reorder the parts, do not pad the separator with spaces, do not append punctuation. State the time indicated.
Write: 8:14:27
